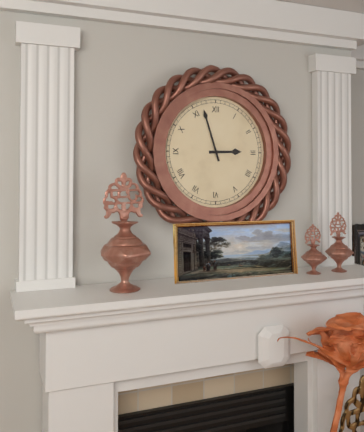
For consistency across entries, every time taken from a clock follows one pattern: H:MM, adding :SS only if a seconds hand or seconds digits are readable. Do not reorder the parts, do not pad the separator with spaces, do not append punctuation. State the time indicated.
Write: 2:57
